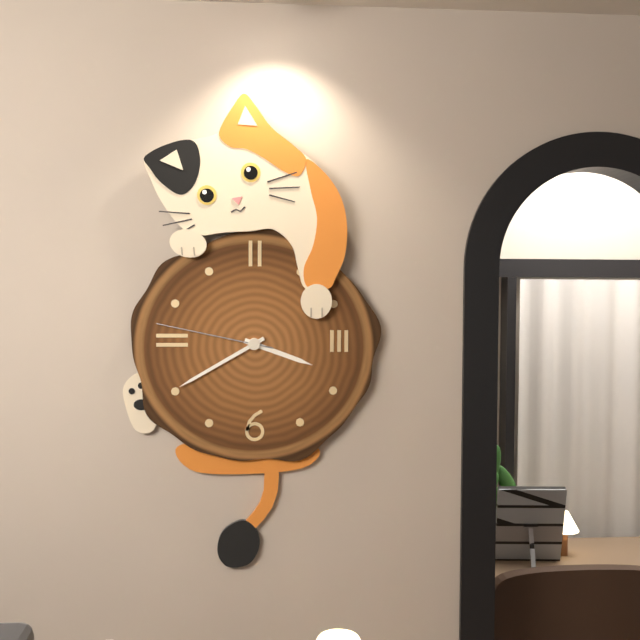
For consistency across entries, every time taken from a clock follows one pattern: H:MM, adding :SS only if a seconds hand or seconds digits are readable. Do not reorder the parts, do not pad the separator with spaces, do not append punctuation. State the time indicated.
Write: 3:40:47
